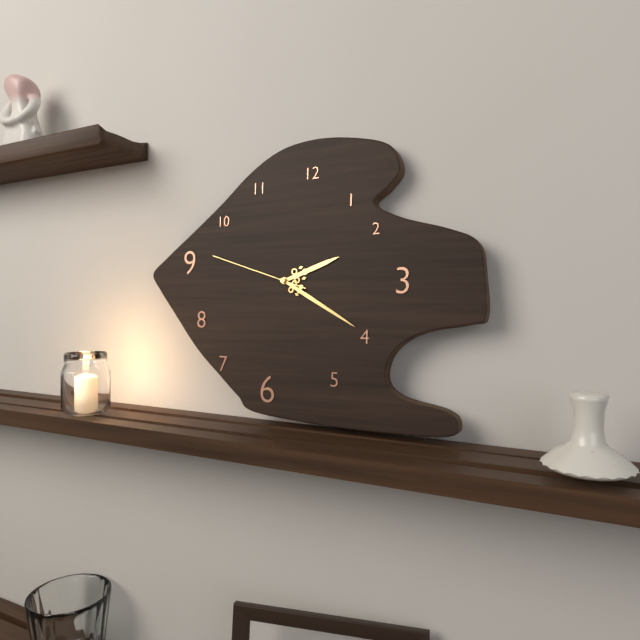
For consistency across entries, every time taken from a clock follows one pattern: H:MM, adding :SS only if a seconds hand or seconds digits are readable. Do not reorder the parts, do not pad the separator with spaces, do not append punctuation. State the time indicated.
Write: 2:20:48
